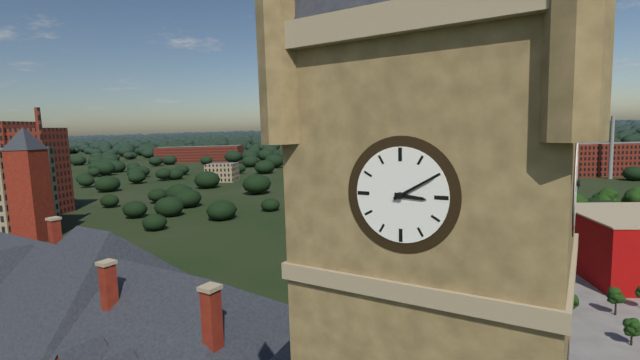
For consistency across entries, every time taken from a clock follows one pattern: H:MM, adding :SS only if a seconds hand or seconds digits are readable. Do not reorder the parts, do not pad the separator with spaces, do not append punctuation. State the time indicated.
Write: 3:10
